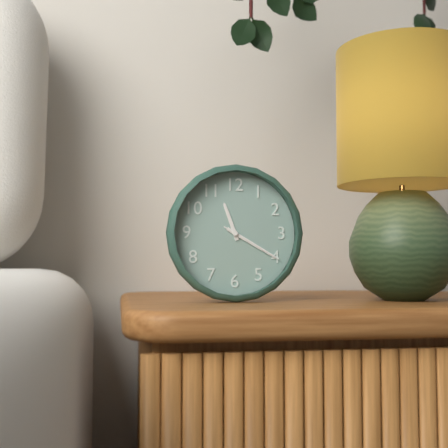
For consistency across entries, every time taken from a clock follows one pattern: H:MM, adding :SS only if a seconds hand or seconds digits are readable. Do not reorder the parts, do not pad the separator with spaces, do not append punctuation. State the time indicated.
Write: 11:20:20
